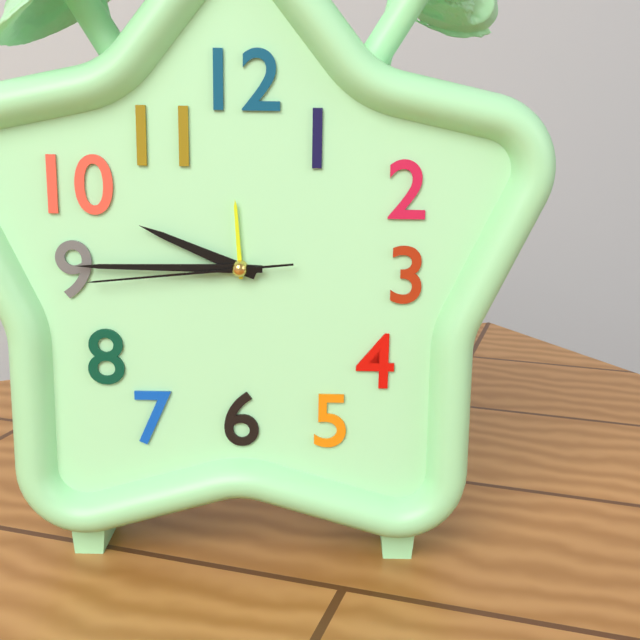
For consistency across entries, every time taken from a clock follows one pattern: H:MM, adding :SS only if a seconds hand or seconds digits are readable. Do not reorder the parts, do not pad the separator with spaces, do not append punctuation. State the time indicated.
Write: 9:45:44
